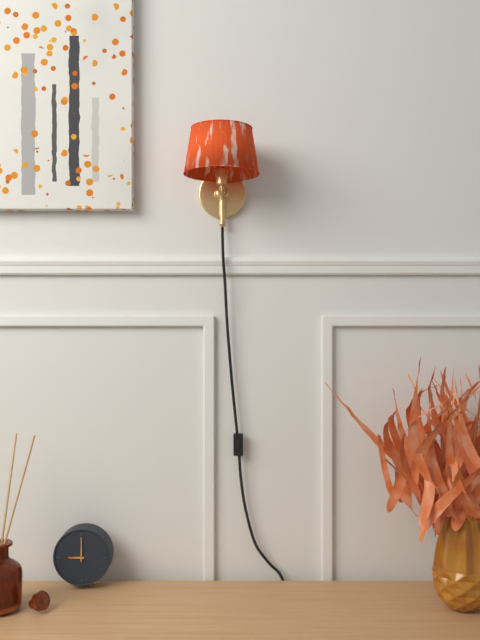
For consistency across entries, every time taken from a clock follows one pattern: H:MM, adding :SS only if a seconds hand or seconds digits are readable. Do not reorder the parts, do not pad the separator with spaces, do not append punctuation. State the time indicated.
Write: 9:00
